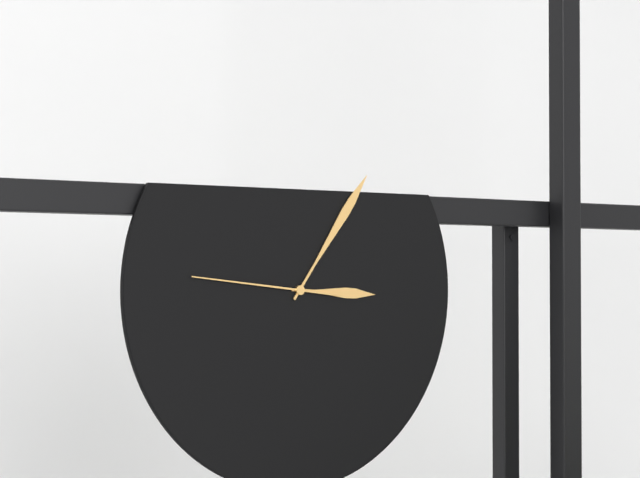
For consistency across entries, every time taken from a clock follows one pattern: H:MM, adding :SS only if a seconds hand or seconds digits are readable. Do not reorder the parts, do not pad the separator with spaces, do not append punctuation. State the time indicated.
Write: 3:06:46
